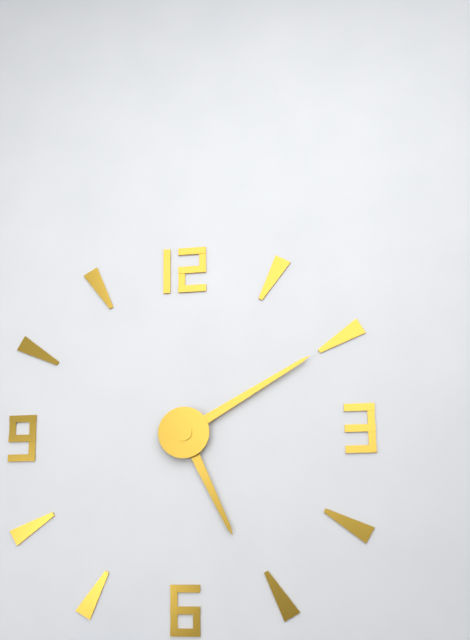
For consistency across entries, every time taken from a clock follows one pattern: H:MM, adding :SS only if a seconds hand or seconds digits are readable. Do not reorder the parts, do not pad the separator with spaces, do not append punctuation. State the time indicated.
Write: 5:10
